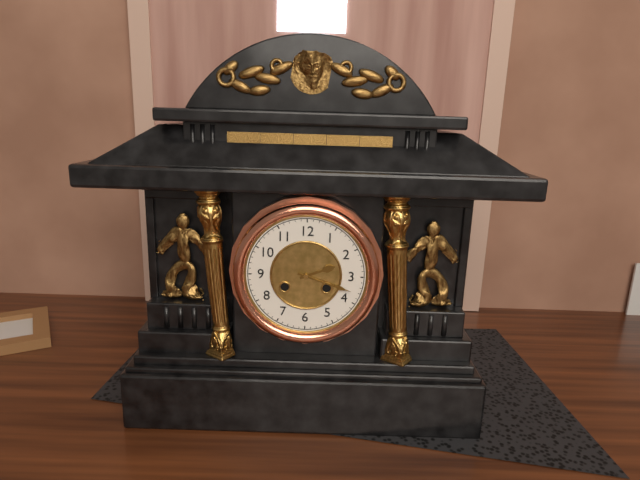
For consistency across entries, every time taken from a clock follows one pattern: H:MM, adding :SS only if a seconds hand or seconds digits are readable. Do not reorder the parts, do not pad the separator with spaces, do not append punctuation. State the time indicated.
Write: 2:18
